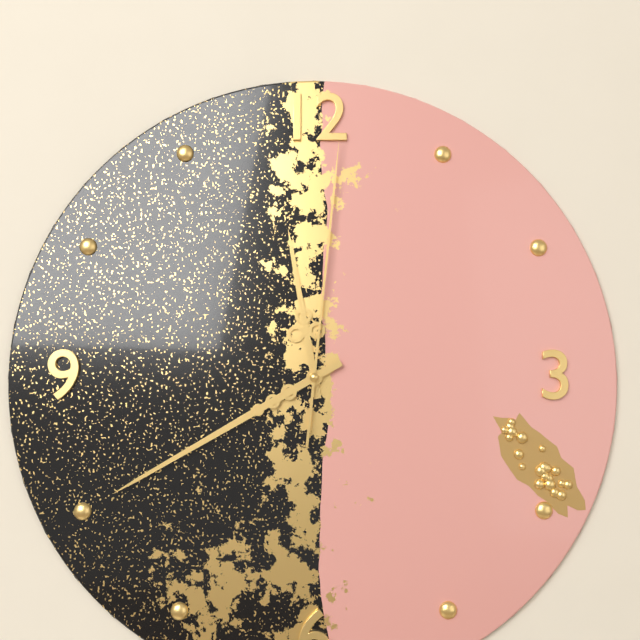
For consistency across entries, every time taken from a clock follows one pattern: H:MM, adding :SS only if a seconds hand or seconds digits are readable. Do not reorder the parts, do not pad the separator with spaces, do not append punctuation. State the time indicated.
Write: 11:40:01
